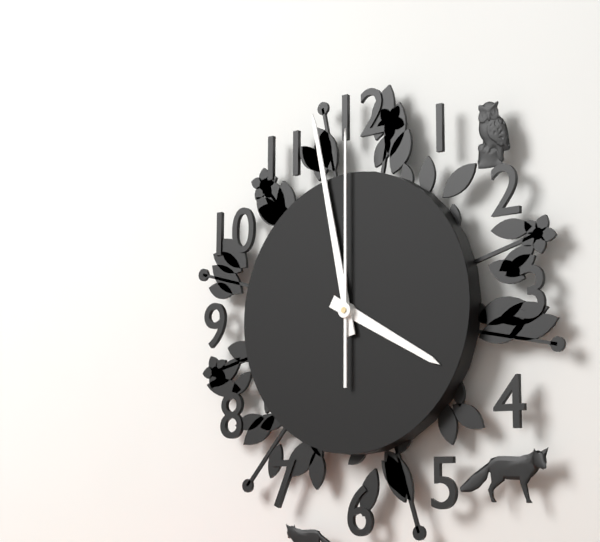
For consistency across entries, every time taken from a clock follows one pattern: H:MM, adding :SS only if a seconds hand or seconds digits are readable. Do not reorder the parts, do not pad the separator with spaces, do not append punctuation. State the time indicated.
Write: 3:58:00
